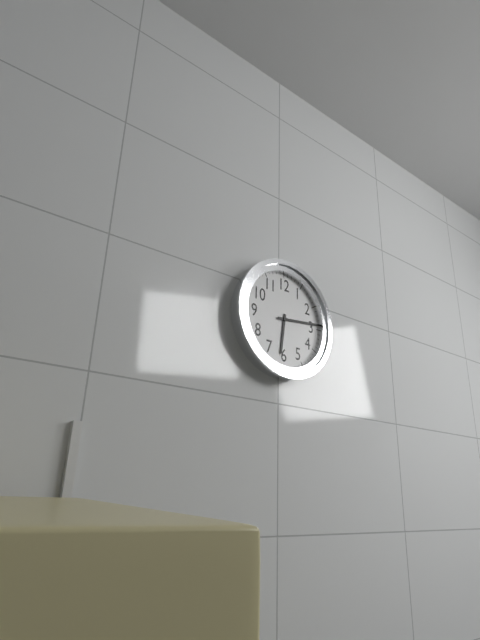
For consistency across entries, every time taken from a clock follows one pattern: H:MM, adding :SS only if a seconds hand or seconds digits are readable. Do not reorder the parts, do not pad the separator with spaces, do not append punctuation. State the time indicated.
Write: 6:14
